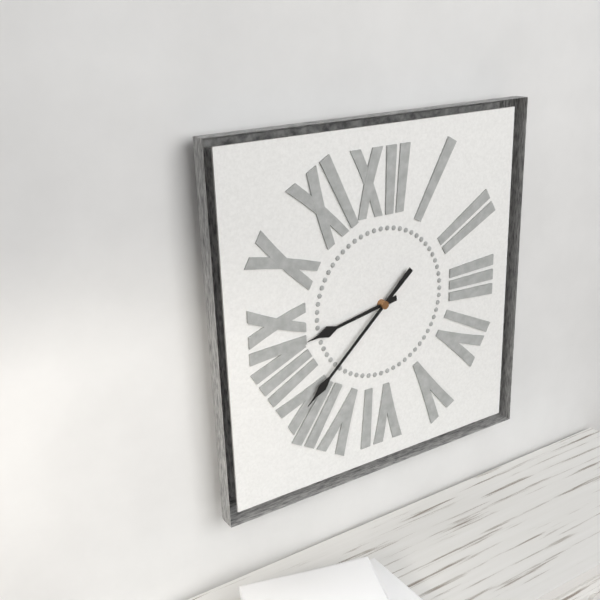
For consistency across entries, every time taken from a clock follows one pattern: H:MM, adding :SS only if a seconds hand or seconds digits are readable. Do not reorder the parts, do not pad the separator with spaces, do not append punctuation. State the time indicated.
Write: 8:38
